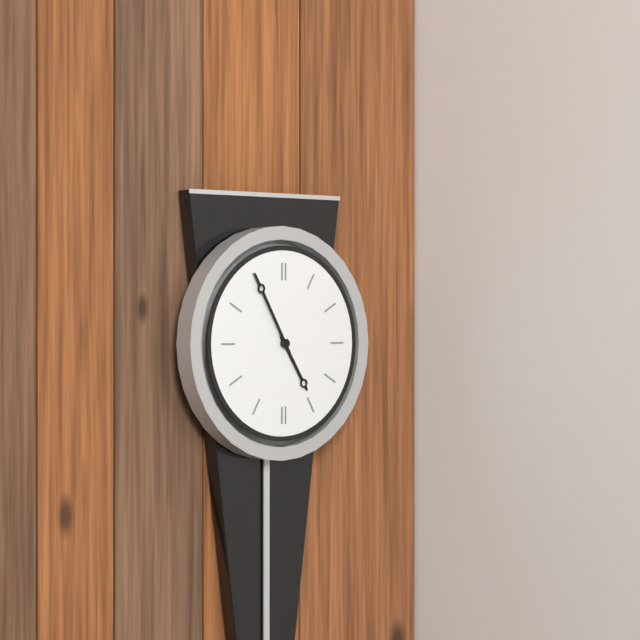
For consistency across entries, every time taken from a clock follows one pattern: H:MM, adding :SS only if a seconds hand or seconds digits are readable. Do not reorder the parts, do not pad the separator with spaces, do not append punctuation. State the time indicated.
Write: 4:55
